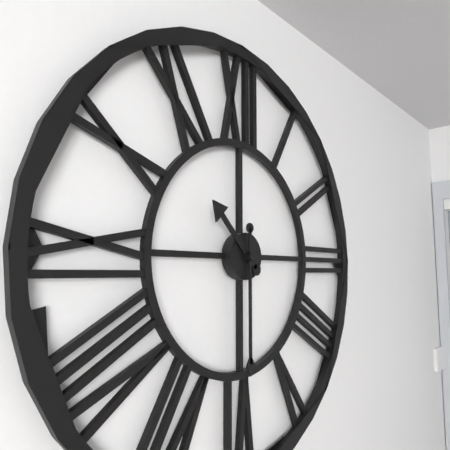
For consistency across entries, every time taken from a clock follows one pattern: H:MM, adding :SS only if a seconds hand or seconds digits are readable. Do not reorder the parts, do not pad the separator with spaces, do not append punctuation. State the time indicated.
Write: 10:30
